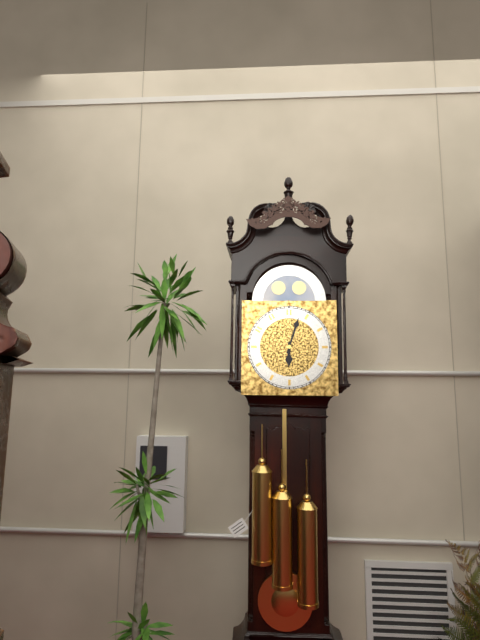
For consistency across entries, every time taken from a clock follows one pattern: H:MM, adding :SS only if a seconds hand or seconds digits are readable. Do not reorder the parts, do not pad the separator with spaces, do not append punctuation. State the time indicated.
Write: 6:03
